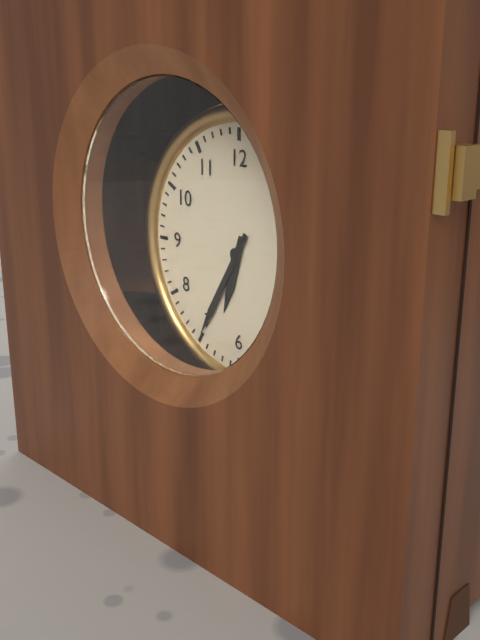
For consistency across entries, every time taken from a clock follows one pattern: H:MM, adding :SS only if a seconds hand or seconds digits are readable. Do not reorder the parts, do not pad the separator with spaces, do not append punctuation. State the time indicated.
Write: 6:35
